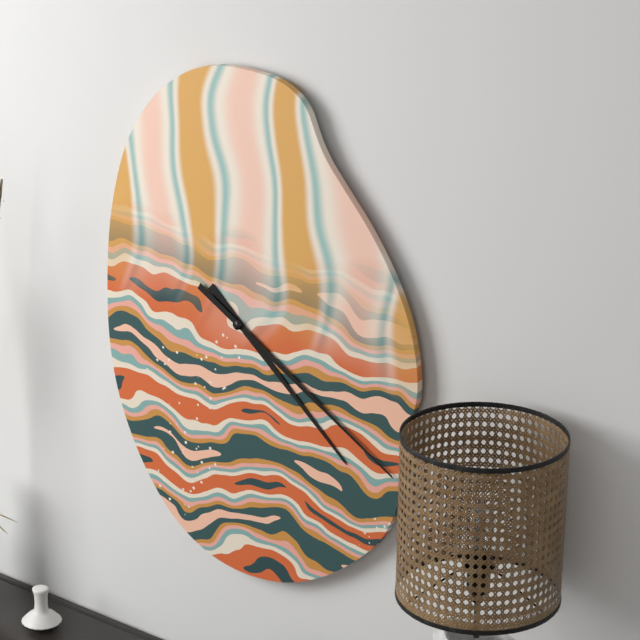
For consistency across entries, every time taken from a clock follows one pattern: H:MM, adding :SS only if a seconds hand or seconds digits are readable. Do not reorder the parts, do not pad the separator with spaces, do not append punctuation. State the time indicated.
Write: 4:20
